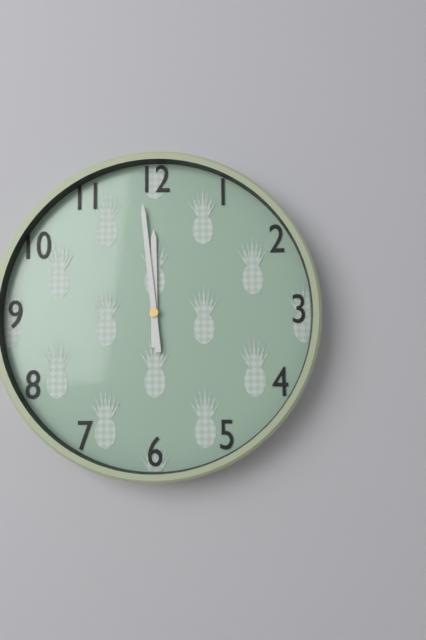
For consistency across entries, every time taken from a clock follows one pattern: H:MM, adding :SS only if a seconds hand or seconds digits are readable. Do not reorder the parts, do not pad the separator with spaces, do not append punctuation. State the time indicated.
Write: 11:59
